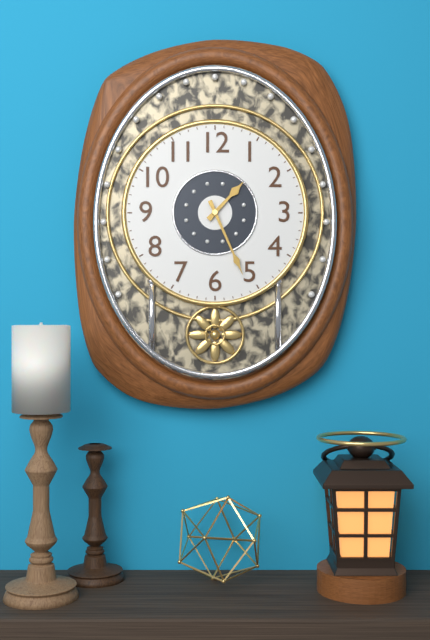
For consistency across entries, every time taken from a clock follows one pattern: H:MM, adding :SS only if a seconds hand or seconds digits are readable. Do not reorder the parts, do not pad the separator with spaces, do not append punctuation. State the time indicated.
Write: 1:26
